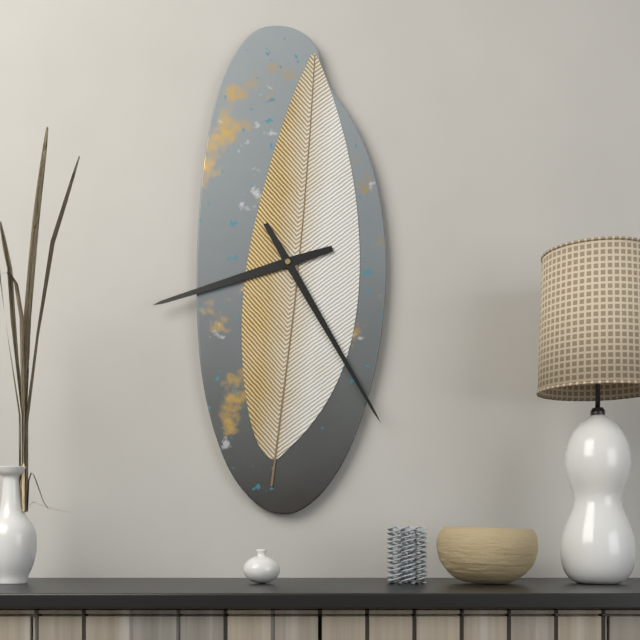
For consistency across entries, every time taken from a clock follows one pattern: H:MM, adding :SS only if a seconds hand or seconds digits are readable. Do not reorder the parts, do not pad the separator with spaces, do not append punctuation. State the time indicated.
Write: 8:25
